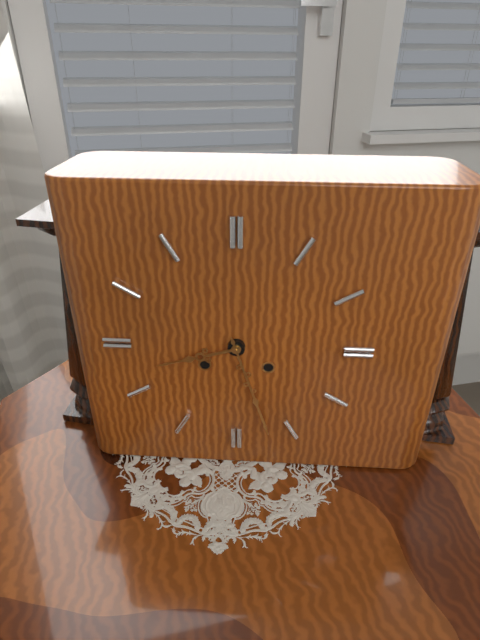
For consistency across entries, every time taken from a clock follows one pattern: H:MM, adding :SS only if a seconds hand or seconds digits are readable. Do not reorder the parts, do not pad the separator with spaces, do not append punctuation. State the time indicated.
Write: 8:27
